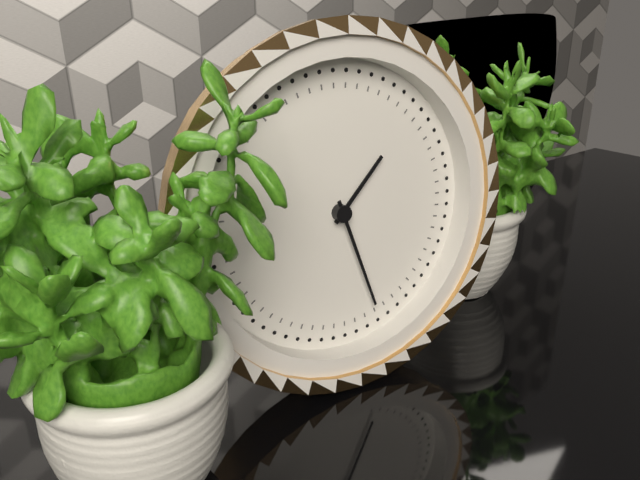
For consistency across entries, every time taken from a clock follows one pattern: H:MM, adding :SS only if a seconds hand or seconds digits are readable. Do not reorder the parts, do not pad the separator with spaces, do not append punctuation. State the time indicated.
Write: 1:27
